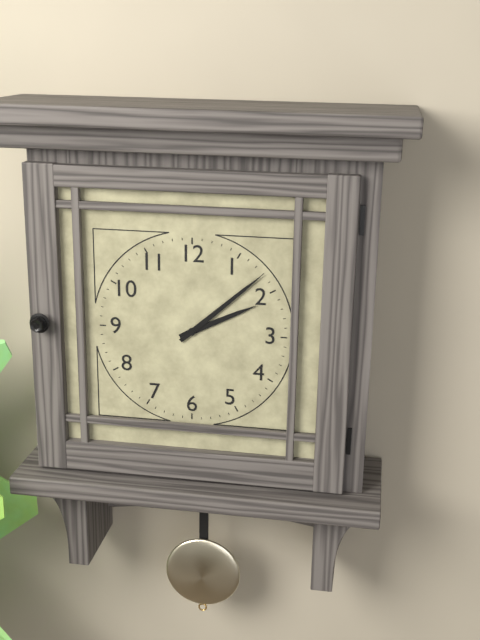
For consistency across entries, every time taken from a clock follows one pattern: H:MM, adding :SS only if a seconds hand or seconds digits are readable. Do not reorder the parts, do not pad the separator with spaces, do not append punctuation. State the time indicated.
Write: 2:08
